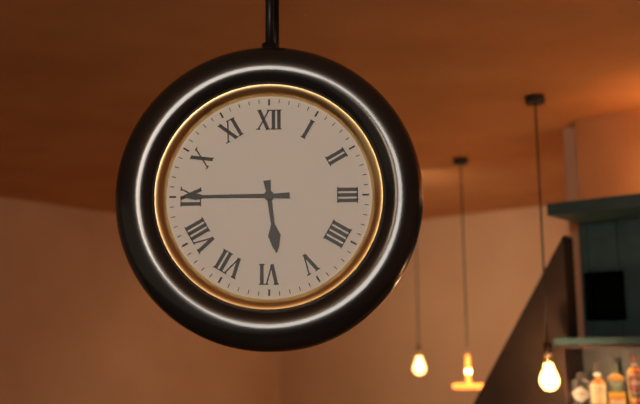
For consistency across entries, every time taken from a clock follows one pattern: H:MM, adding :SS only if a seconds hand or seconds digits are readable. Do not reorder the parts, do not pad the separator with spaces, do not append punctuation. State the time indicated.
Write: 5:45
